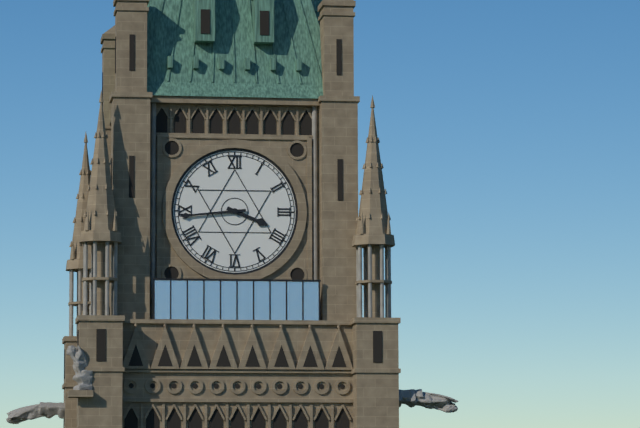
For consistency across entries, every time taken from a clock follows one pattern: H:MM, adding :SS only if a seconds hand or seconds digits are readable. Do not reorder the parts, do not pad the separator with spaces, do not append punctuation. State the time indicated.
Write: 3:44
